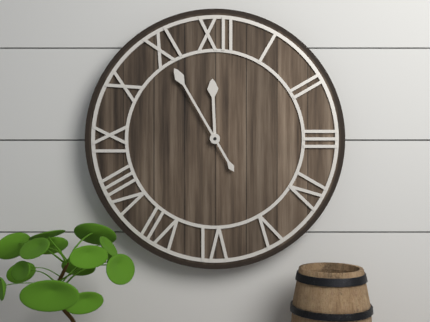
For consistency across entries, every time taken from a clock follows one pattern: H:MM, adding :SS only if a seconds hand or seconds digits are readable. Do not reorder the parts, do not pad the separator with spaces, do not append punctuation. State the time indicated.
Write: 11:55
